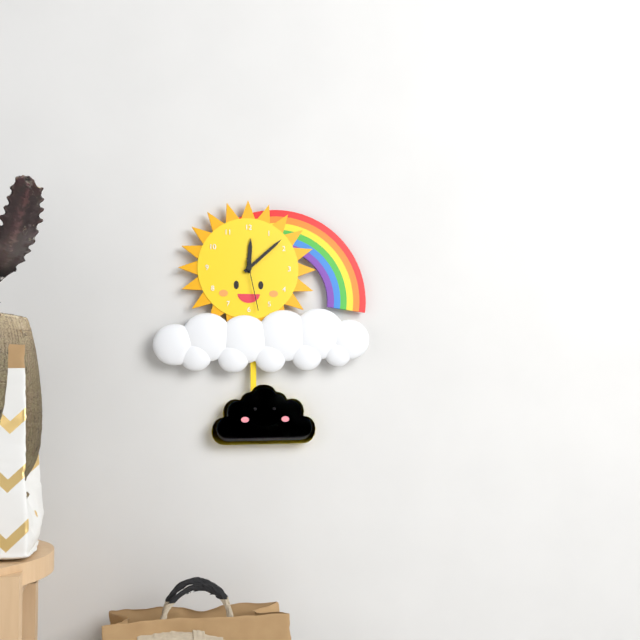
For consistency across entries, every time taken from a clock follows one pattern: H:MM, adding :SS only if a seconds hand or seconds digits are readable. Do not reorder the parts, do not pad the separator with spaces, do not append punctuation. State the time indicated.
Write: 12:08:28
